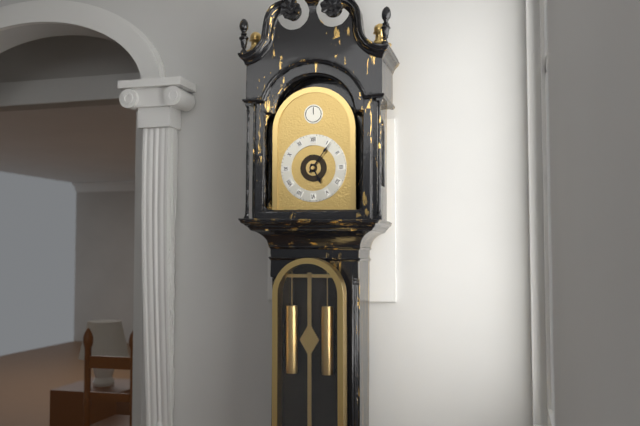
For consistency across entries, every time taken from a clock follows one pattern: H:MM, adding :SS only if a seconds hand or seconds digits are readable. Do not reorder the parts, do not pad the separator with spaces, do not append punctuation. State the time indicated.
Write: 5:06
